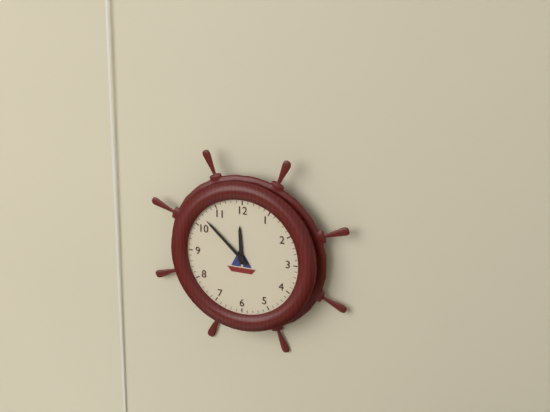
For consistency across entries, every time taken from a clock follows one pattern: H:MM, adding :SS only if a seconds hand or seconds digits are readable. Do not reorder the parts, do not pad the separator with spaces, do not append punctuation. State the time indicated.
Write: 11:52
